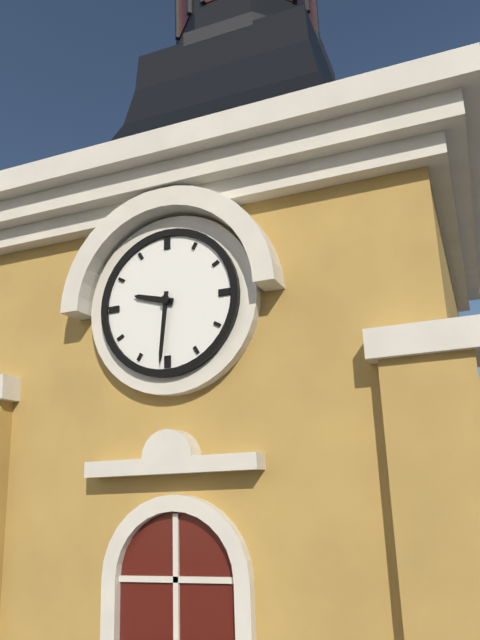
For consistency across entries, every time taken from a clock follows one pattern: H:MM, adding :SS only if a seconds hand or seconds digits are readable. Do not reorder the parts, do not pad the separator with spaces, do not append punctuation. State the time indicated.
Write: 9:31
